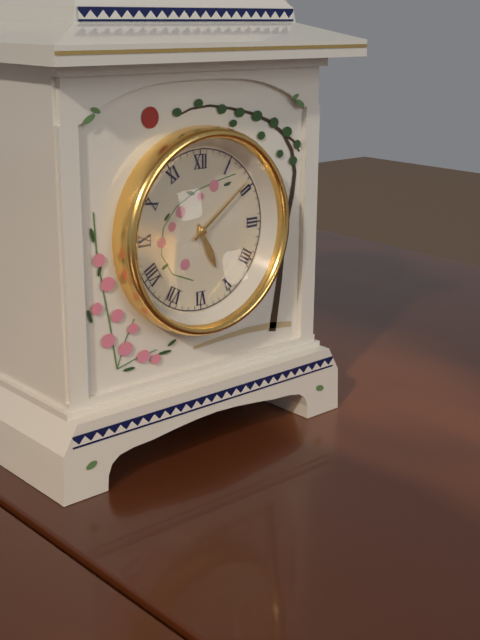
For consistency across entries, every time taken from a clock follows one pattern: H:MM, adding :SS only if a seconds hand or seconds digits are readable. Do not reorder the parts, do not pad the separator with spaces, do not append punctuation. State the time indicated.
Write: 5:09
